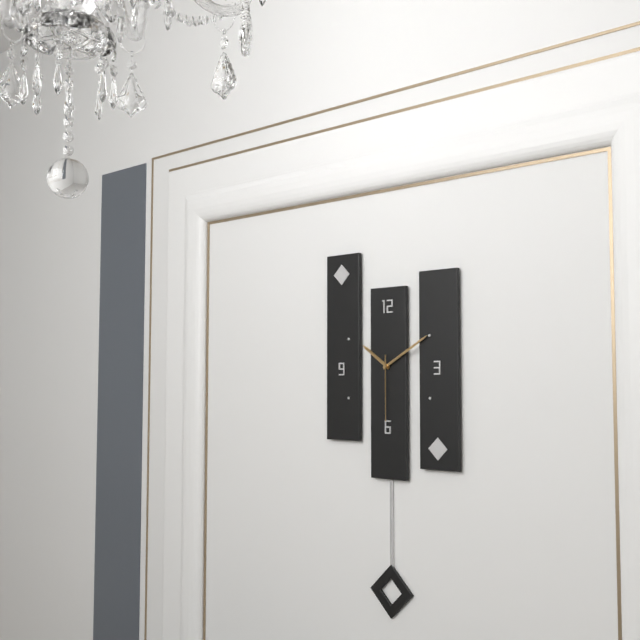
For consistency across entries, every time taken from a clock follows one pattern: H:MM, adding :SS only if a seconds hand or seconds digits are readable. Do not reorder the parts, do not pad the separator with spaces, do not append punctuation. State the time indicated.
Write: 10:10:30
